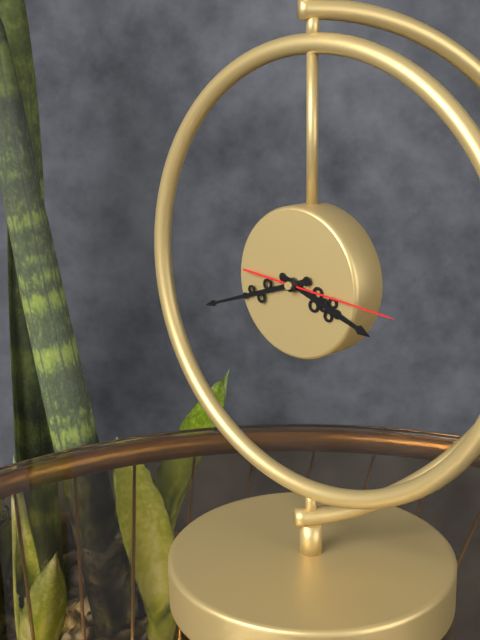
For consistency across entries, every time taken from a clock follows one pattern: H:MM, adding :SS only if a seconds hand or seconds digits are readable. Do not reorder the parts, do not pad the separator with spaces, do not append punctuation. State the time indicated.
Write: 3:42:16
